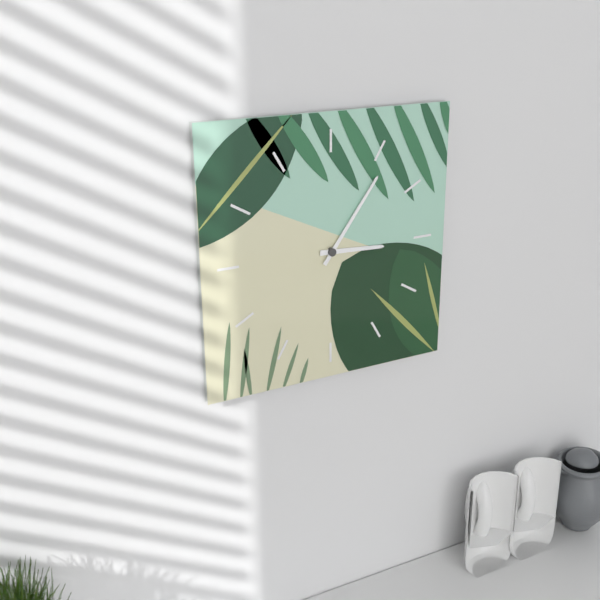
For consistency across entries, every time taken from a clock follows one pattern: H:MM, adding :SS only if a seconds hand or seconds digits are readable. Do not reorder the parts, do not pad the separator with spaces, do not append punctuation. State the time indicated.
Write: 3:06
